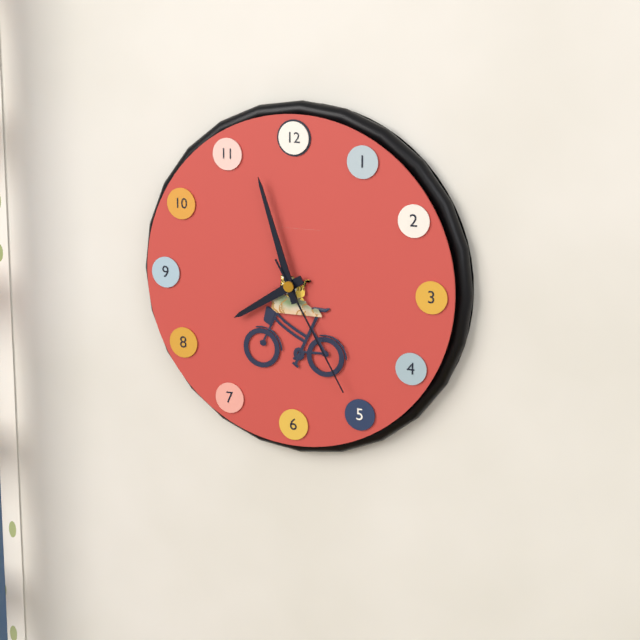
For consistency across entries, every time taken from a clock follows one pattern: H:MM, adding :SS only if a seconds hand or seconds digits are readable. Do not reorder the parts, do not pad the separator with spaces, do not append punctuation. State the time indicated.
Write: 7:57:25
